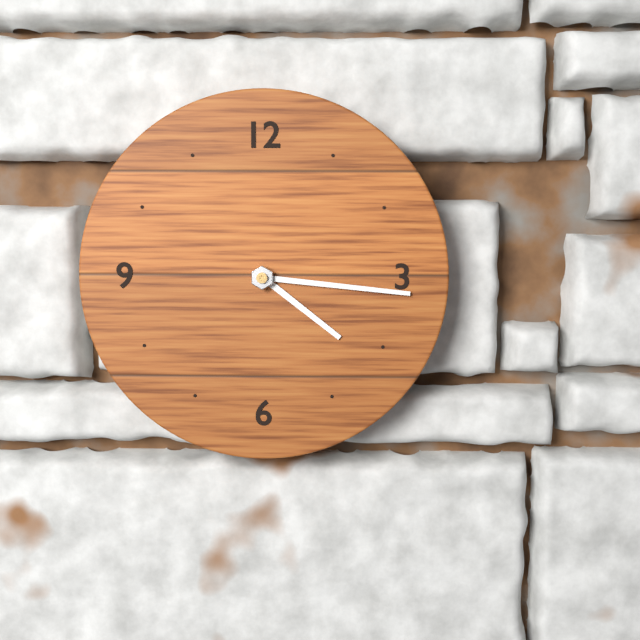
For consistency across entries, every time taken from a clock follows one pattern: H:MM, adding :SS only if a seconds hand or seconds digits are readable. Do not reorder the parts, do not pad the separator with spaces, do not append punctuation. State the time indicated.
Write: 4:16
